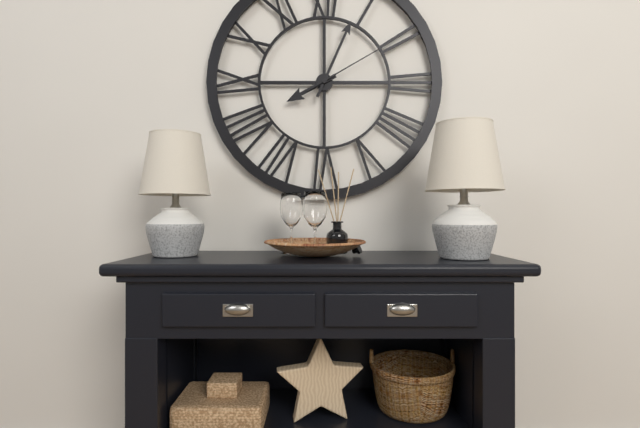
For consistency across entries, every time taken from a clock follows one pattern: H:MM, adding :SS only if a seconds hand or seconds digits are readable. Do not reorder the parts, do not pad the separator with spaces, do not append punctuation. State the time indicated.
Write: 8:04:10
